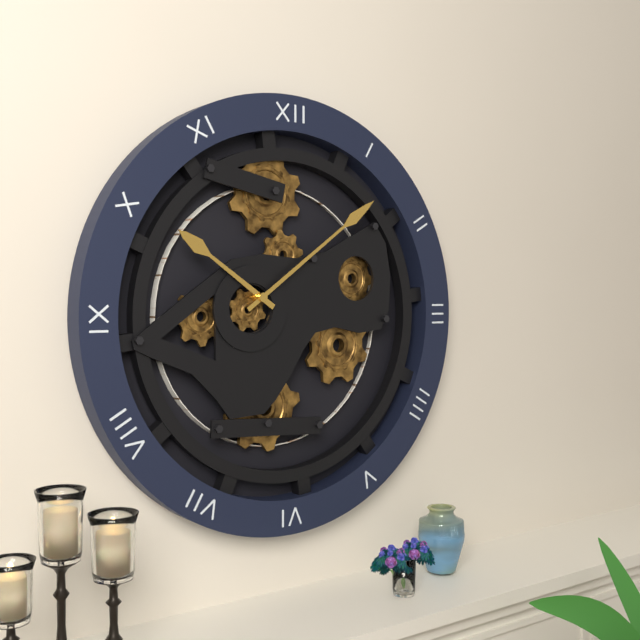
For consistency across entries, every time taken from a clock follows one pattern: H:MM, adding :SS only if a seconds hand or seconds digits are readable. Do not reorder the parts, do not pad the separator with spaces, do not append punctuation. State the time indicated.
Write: 10:09
